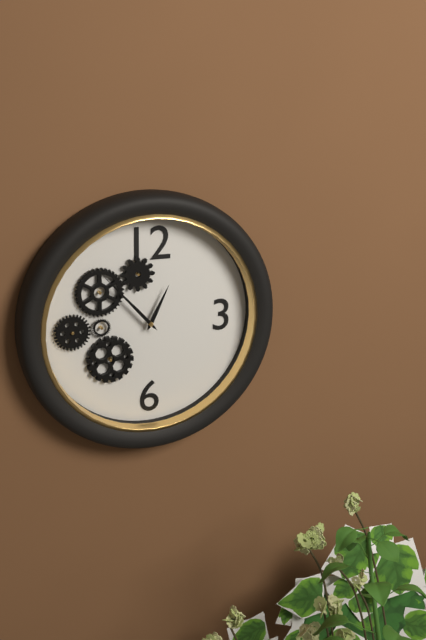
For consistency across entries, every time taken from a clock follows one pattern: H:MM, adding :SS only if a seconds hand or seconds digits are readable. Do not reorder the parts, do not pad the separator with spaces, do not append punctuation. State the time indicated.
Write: 12:53
